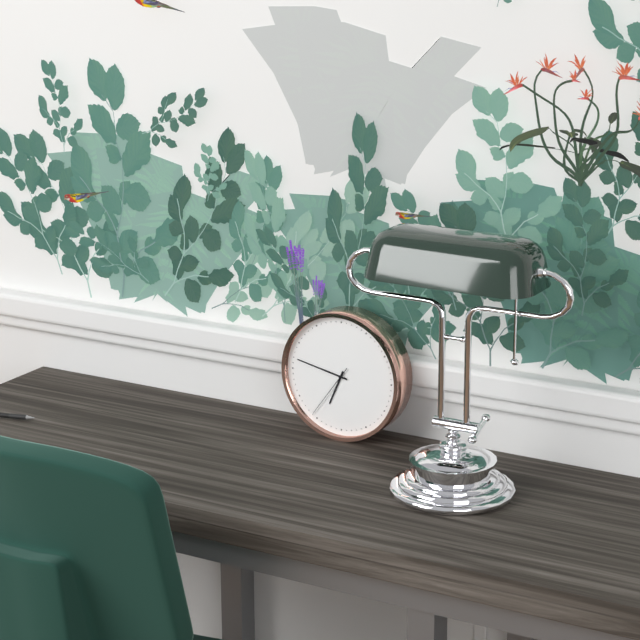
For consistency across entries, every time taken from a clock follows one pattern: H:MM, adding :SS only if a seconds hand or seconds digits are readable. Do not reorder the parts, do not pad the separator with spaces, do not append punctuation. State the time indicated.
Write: 6:47:36
